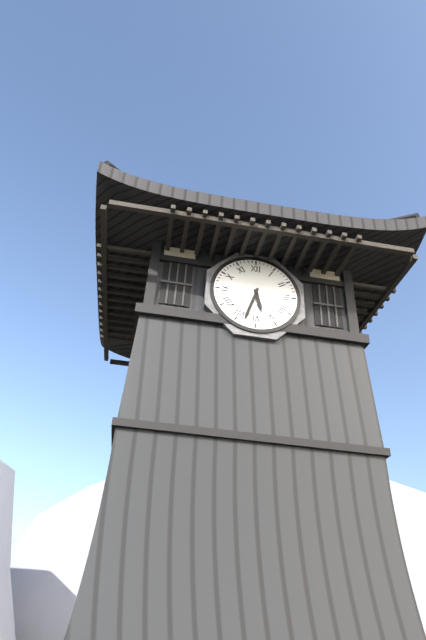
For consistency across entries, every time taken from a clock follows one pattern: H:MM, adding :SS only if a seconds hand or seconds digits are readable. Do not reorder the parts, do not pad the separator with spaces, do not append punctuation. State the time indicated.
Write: 5:33
